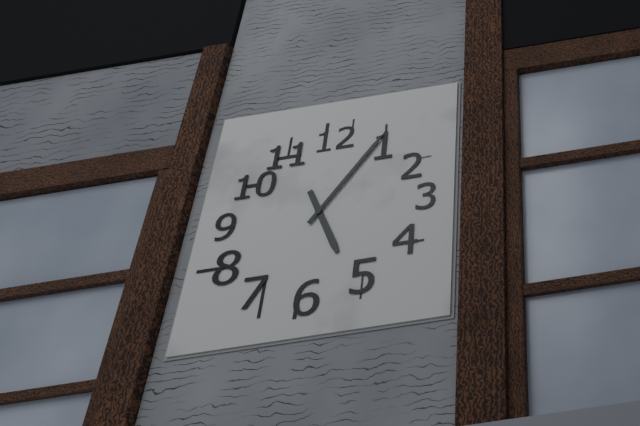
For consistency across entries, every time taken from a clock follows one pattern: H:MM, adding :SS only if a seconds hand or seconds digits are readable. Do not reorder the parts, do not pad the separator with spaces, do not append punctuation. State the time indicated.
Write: 5:06
